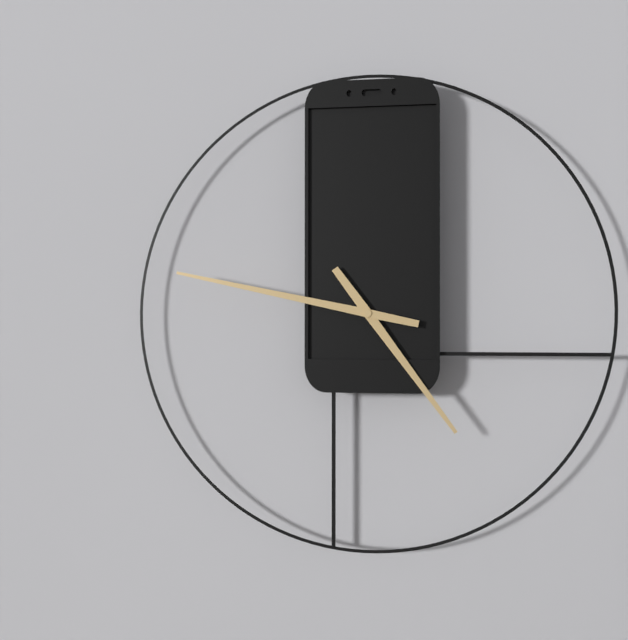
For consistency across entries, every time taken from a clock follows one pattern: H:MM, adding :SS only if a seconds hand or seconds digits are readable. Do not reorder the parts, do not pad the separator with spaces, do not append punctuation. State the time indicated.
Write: 4:47
